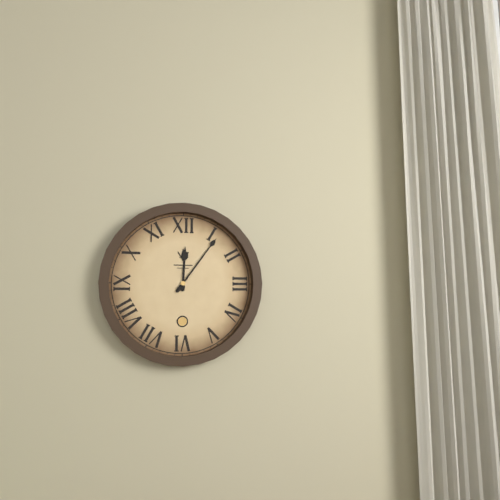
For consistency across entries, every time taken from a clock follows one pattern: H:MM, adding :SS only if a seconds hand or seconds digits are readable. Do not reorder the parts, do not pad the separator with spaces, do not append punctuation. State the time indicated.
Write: 12:06
